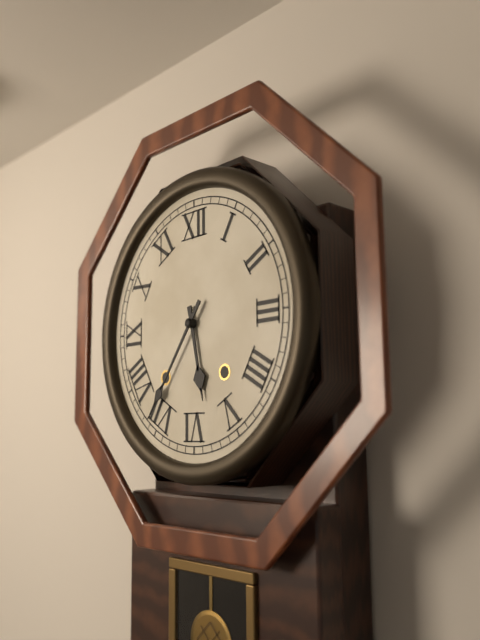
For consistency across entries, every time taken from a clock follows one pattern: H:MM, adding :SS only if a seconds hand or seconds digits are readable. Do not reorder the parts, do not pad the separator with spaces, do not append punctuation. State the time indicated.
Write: 5:36
